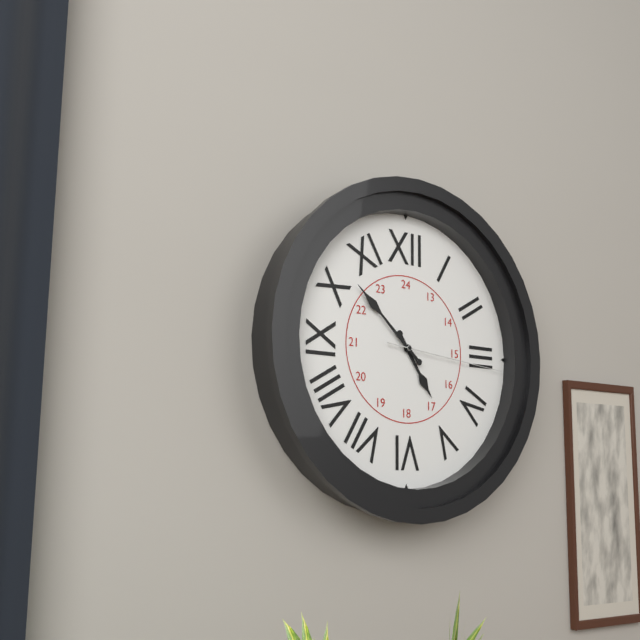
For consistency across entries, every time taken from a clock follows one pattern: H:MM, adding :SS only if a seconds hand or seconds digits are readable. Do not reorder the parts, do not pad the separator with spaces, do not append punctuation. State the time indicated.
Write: 4:52:16
